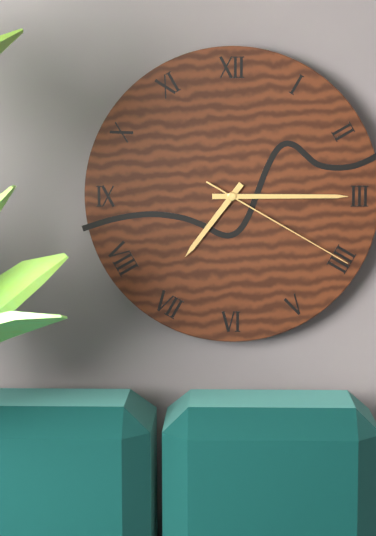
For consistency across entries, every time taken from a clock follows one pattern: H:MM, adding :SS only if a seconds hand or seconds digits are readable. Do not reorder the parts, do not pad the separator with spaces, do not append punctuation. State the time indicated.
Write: 7:15:20
